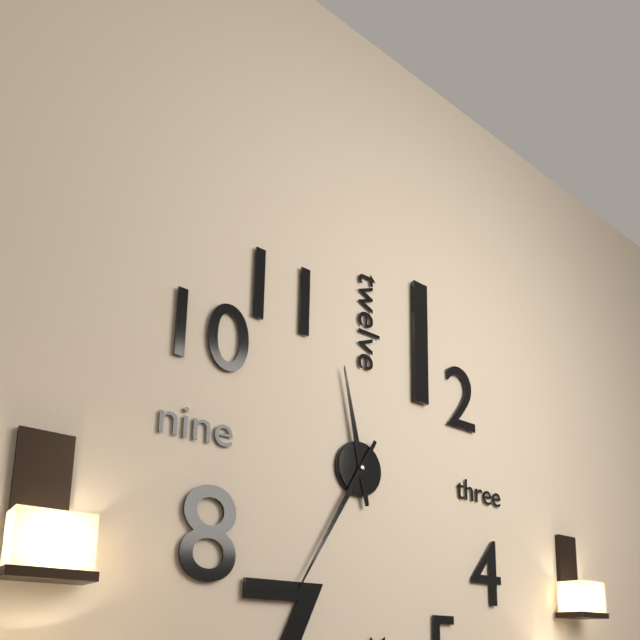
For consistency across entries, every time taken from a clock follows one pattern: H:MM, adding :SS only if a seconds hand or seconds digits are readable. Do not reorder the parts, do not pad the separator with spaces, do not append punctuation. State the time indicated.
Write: 11:35
